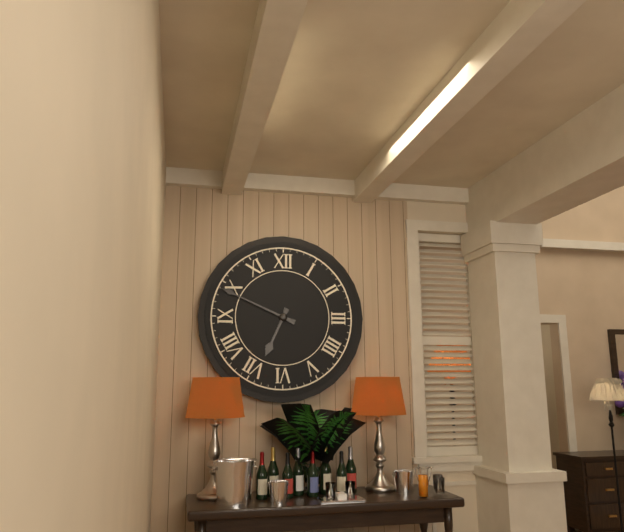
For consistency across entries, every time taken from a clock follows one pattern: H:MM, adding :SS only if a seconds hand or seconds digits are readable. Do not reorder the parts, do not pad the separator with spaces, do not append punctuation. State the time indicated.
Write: 6:49
